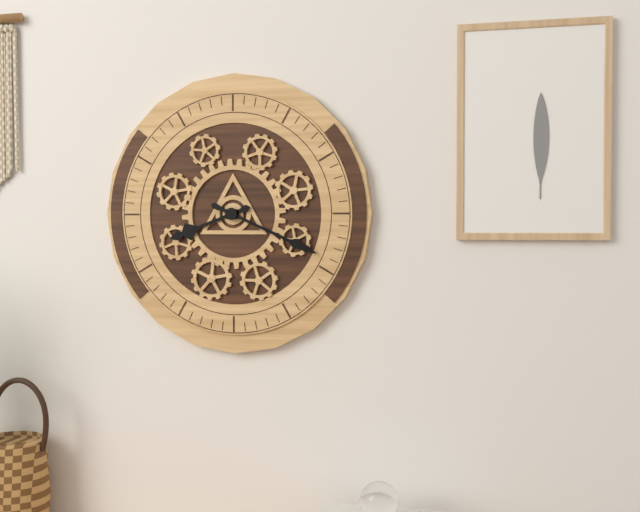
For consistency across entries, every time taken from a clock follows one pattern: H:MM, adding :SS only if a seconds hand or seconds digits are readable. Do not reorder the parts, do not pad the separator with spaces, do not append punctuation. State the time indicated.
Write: 8:19
